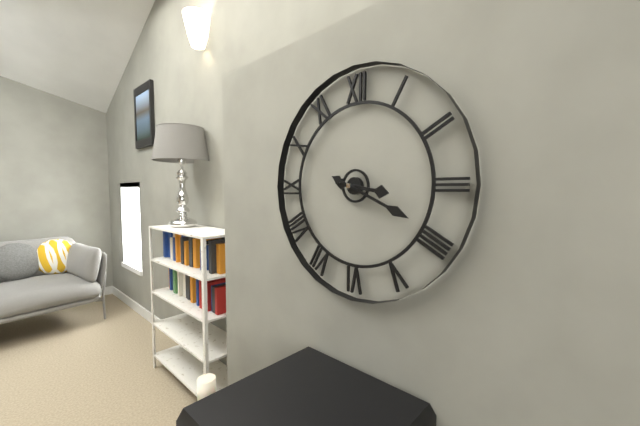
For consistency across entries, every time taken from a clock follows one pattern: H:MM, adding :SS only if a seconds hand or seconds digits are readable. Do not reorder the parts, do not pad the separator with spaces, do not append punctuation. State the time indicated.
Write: 3:19
